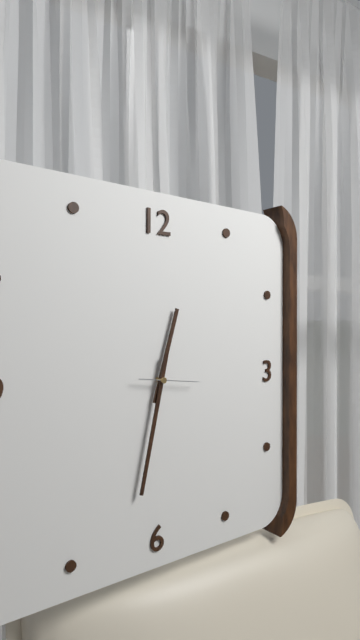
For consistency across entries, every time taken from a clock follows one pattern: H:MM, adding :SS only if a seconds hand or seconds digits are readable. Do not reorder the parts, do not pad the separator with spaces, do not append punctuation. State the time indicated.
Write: 12:32
